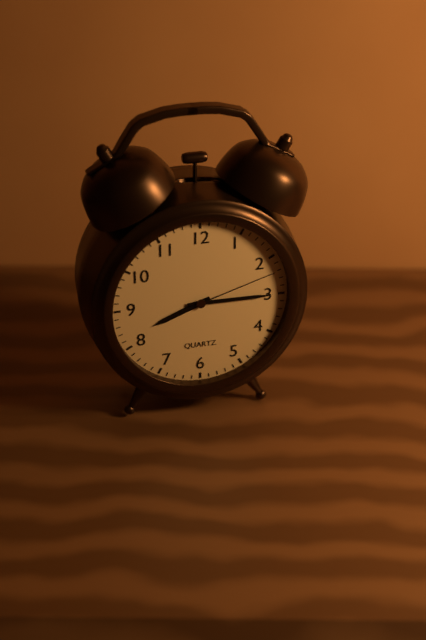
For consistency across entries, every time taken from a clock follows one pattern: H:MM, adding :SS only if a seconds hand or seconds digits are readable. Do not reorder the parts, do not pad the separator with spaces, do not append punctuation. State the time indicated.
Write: 8:15:12
